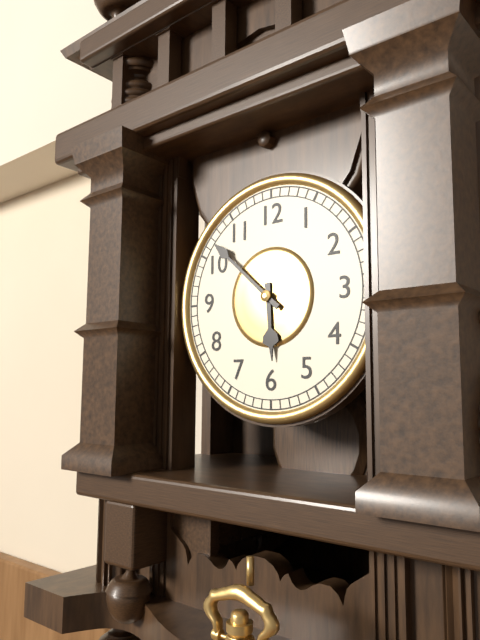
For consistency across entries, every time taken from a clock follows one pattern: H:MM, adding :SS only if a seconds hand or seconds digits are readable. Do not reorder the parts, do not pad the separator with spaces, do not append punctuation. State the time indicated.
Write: 5:52
